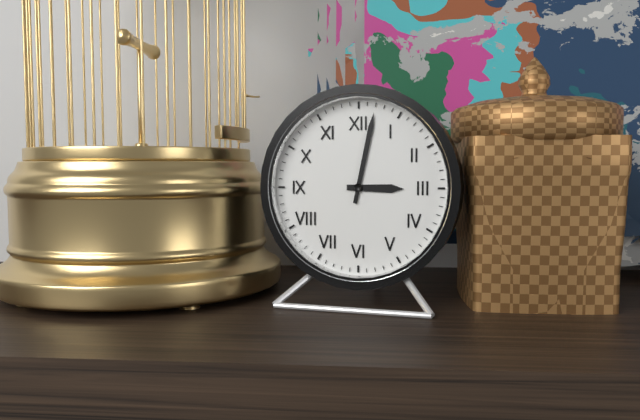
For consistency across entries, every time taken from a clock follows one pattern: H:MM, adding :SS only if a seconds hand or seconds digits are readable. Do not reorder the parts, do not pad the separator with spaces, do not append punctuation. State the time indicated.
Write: 3:02
